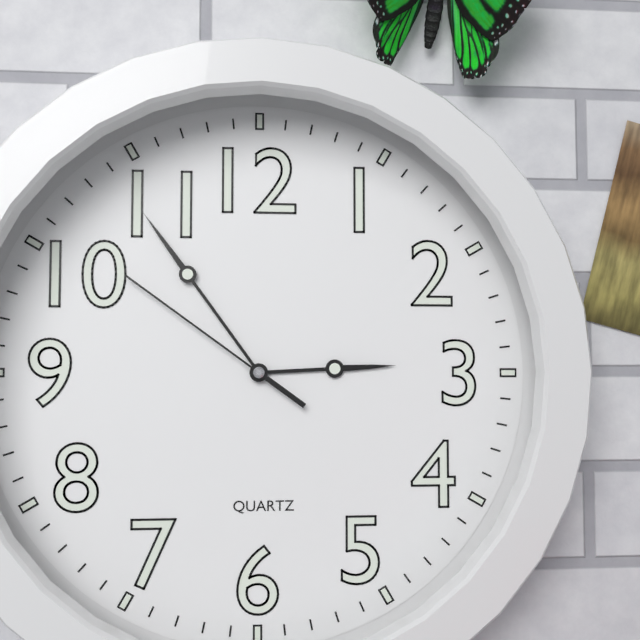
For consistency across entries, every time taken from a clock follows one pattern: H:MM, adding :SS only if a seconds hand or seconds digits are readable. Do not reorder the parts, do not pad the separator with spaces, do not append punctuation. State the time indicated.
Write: 2:54:51
